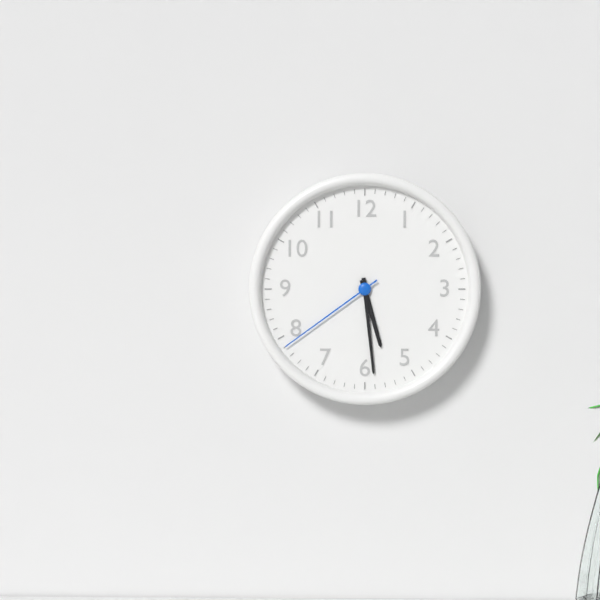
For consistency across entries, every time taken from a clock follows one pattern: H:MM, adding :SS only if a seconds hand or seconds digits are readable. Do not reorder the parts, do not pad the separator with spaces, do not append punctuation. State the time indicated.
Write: 5:29:39
